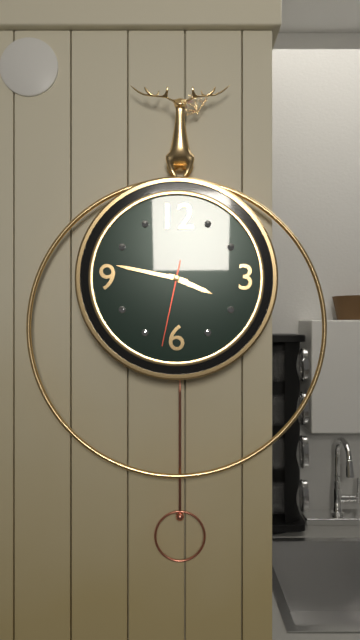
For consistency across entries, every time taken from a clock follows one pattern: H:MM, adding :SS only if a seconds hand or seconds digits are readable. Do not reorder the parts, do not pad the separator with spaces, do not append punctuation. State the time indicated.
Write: 3:47:32
